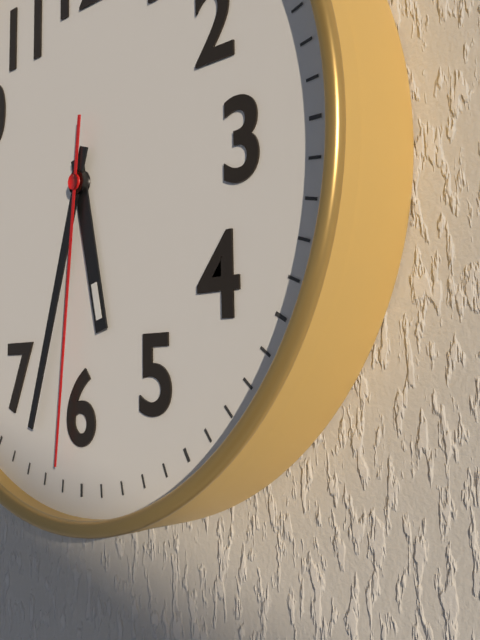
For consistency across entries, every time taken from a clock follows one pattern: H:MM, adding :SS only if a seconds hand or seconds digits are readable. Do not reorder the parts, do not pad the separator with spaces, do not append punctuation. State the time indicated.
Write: 5:33:31
